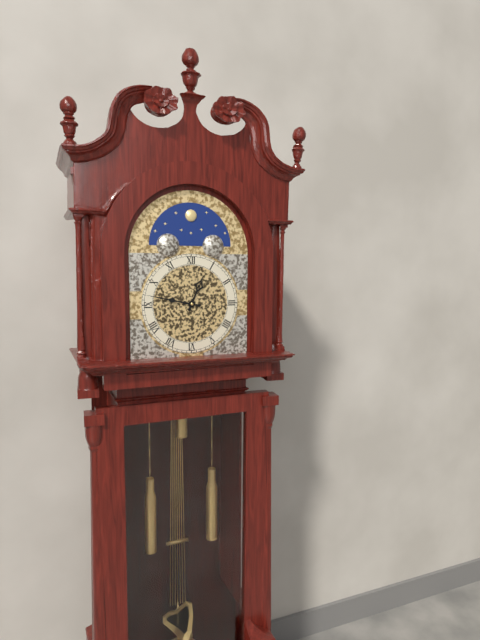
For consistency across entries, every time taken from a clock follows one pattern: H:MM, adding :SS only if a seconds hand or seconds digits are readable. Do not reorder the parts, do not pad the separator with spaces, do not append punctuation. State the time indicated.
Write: 12:47
